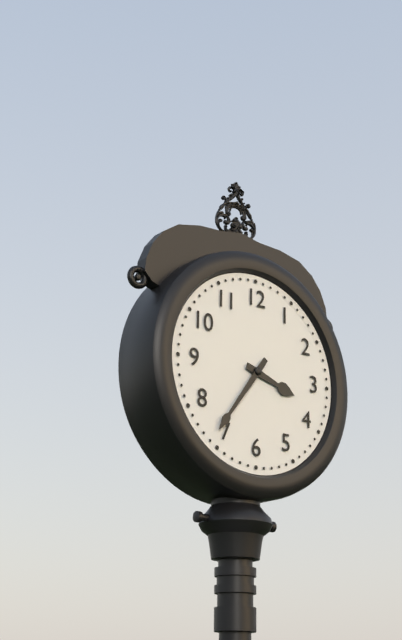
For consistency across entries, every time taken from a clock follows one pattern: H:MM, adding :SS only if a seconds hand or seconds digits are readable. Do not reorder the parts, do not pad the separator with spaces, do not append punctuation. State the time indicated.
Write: 3:36
